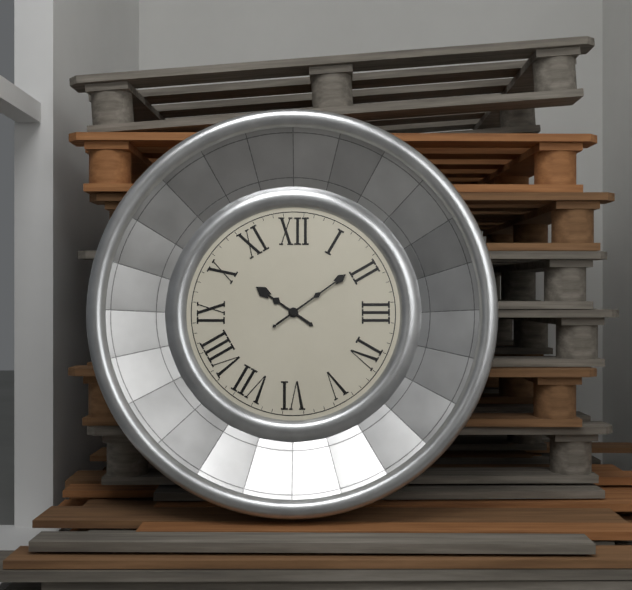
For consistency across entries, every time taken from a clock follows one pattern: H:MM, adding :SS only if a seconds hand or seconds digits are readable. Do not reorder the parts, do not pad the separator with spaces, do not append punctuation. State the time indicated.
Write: 10:09
